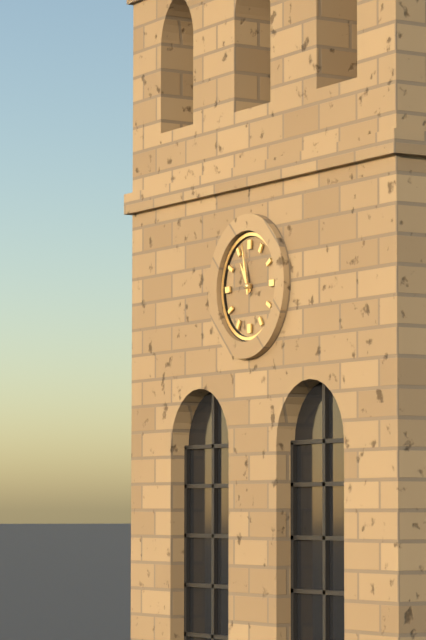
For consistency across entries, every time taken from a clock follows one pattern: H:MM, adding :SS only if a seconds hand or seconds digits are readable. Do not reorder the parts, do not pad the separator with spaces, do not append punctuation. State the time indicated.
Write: 10:58
